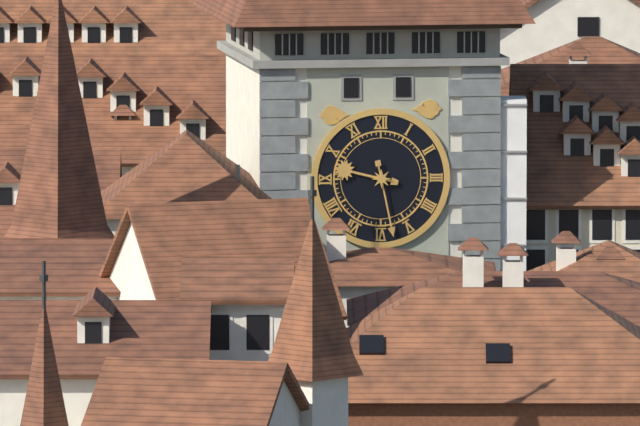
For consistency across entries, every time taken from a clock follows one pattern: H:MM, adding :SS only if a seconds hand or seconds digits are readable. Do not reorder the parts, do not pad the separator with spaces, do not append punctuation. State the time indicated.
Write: 9:28
